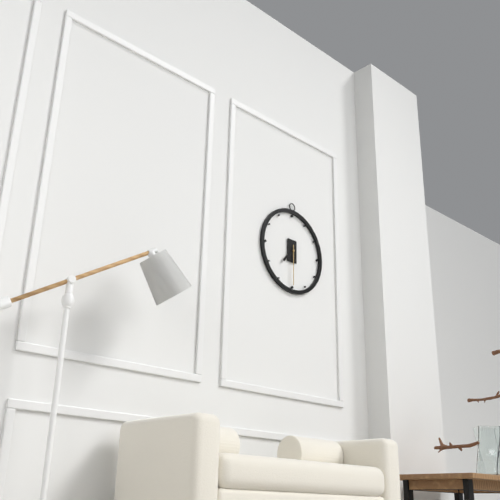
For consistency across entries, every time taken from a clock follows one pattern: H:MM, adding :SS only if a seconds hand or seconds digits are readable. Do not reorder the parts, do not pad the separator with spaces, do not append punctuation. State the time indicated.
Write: 7:30
